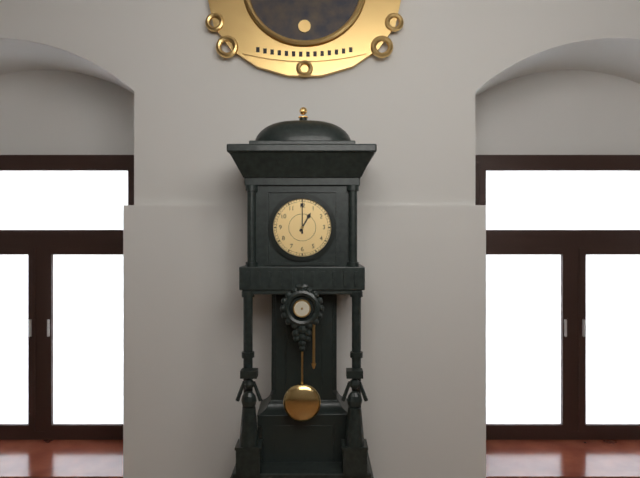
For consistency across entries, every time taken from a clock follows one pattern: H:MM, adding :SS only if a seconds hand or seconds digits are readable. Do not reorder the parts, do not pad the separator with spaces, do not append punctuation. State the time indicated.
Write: 1:00
